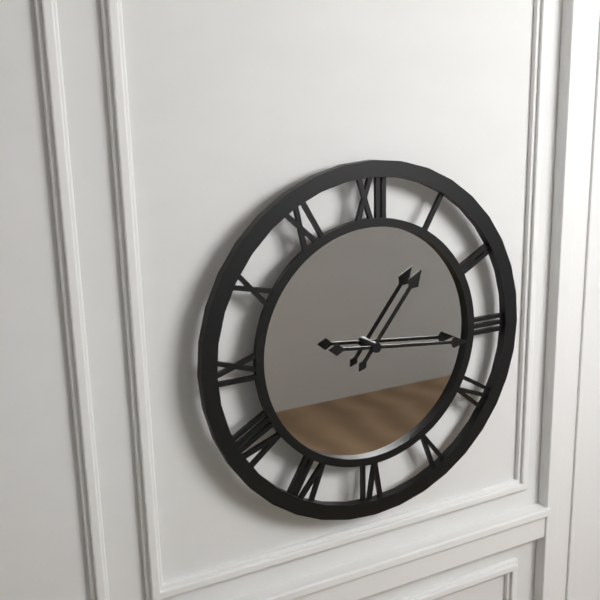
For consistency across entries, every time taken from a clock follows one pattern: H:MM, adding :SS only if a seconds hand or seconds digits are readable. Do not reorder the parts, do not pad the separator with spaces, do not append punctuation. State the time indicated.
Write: 1:16
